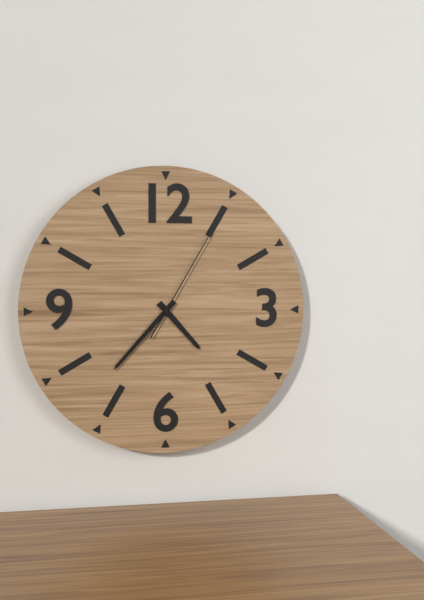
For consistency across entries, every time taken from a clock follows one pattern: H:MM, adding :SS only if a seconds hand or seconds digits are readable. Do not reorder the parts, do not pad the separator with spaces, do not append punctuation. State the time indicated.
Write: 4:37:05
